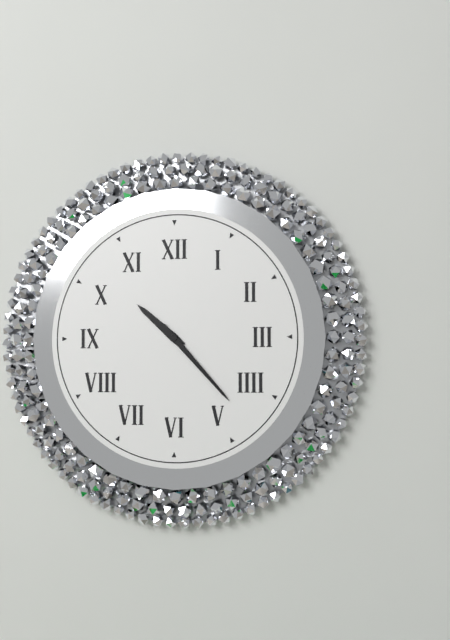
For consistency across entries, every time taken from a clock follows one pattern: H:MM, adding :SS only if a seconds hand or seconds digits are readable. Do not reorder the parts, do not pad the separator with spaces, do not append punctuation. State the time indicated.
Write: 10:23
